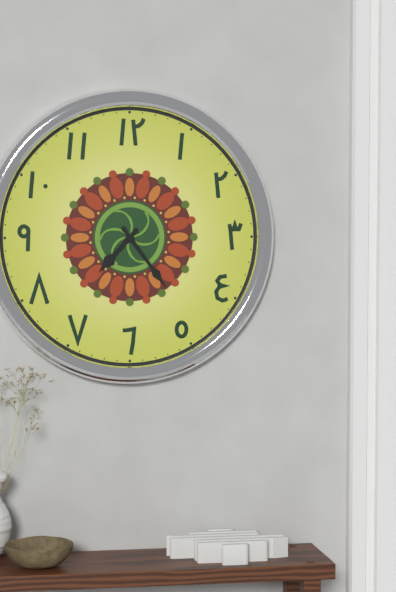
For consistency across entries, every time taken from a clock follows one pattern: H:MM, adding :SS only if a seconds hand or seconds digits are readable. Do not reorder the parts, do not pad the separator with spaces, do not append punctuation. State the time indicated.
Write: 7:24
